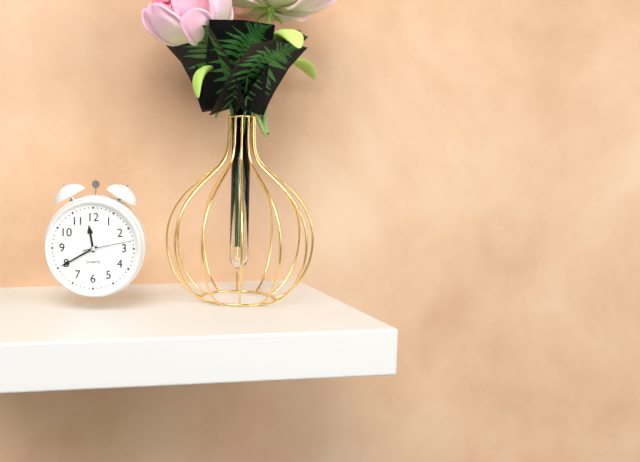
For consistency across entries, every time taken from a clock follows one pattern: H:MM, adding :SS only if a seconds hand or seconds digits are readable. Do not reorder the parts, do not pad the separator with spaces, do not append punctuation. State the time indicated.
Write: 11:40
